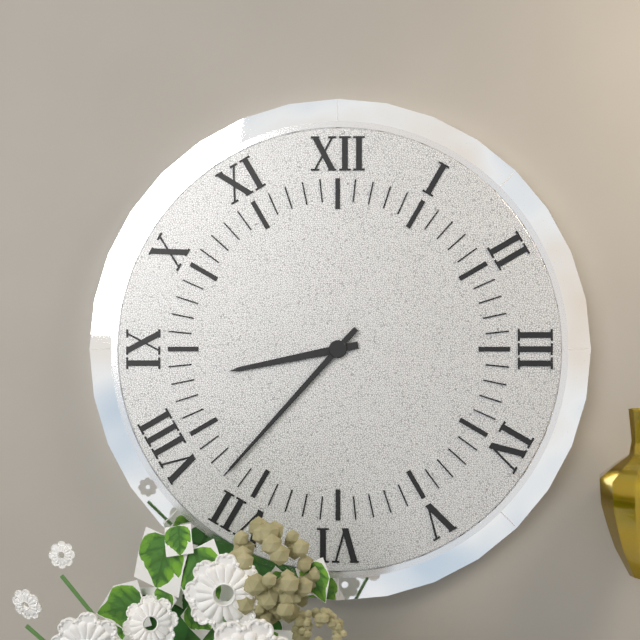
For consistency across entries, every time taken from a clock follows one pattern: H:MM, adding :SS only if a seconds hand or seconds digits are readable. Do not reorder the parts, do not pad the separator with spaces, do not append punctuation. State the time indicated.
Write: 8:37
